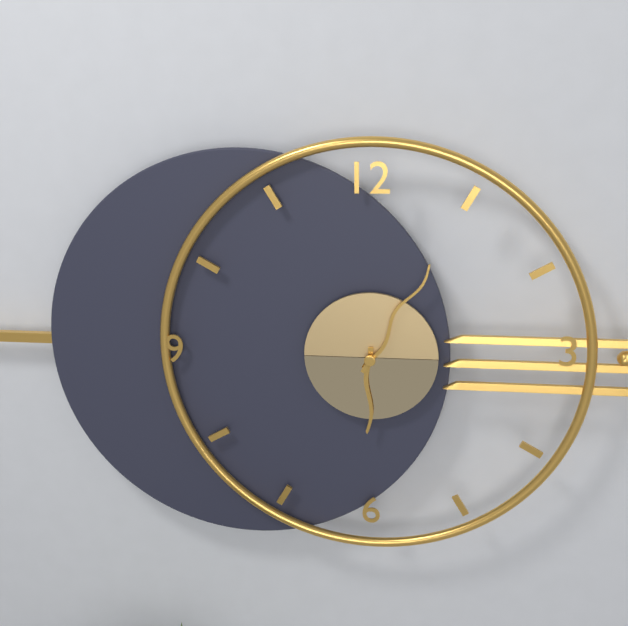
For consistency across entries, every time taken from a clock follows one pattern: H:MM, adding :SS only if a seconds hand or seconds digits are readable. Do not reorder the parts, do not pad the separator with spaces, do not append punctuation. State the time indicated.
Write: 6:05
